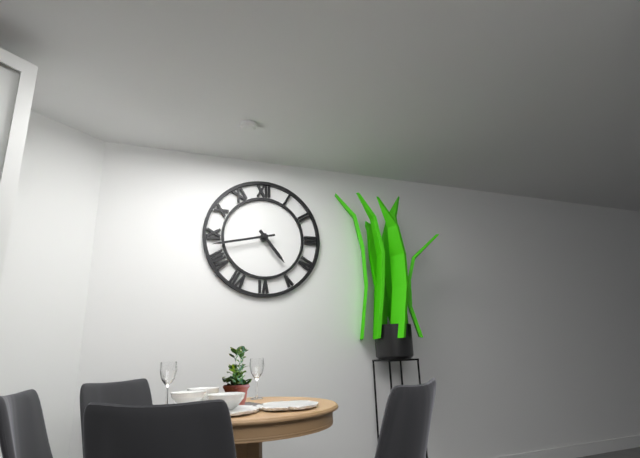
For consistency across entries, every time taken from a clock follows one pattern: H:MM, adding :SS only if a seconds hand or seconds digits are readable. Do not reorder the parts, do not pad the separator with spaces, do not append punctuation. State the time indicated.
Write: 4:43
